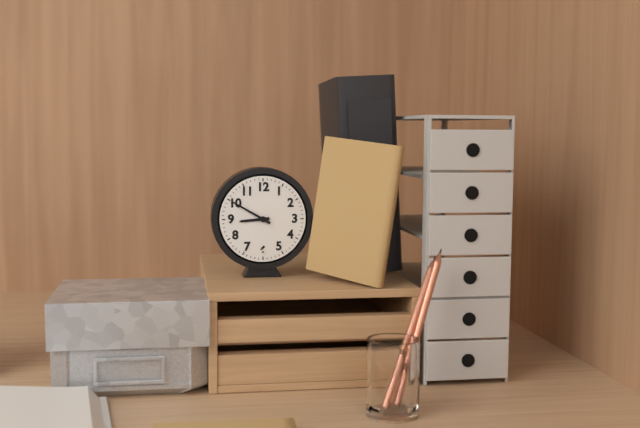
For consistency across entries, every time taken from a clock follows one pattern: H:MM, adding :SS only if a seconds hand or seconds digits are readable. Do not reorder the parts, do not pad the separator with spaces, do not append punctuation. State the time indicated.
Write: 8:50
